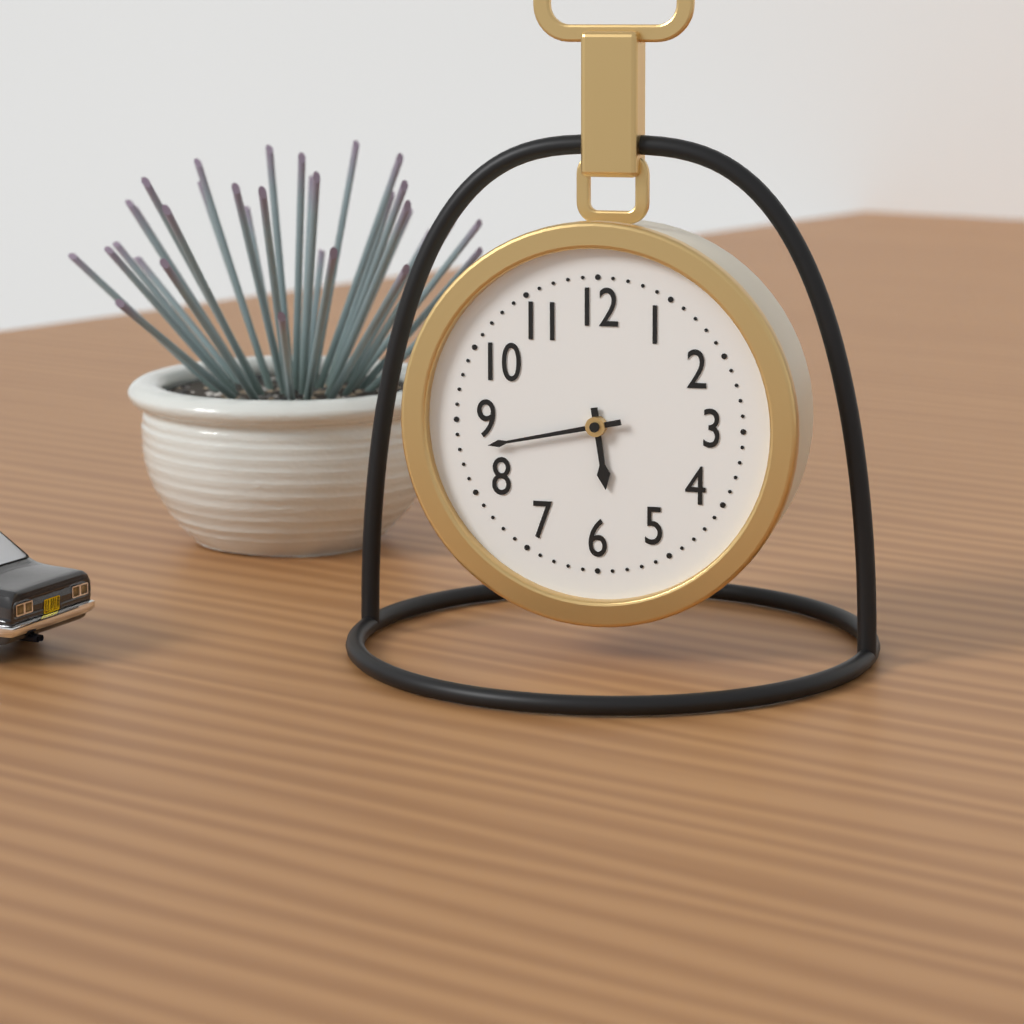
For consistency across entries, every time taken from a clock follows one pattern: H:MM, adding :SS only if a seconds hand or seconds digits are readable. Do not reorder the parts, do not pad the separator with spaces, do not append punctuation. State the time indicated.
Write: 5:43
